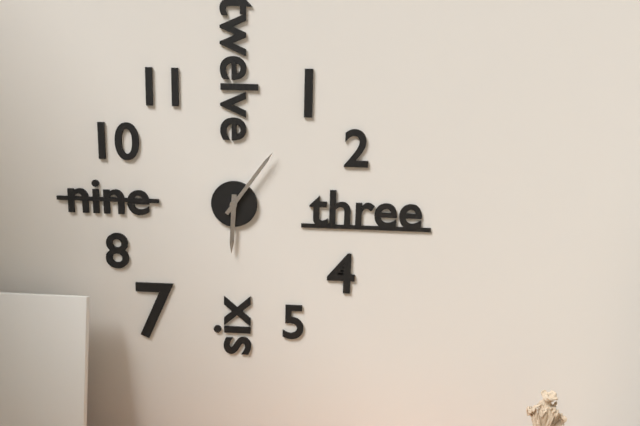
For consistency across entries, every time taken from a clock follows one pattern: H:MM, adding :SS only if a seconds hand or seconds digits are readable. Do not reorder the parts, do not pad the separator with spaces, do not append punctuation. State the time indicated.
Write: 6:06
